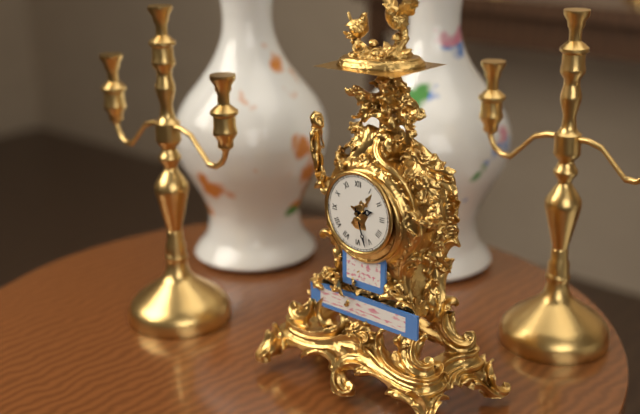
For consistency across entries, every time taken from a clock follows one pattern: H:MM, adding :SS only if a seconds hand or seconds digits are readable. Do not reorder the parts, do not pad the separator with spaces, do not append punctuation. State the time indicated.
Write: 2:27
